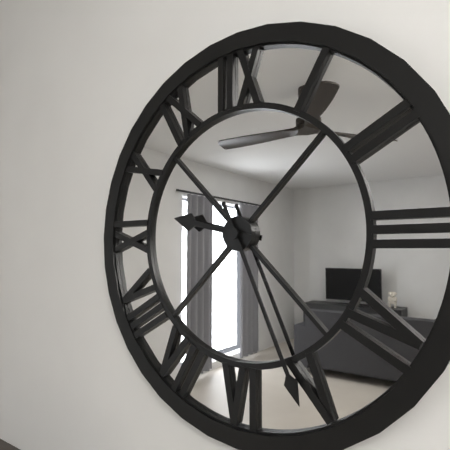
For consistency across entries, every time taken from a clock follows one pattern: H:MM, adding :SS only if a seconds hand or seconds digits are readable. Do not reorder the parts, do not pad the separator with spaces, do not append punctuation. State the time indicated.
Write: 9:26
